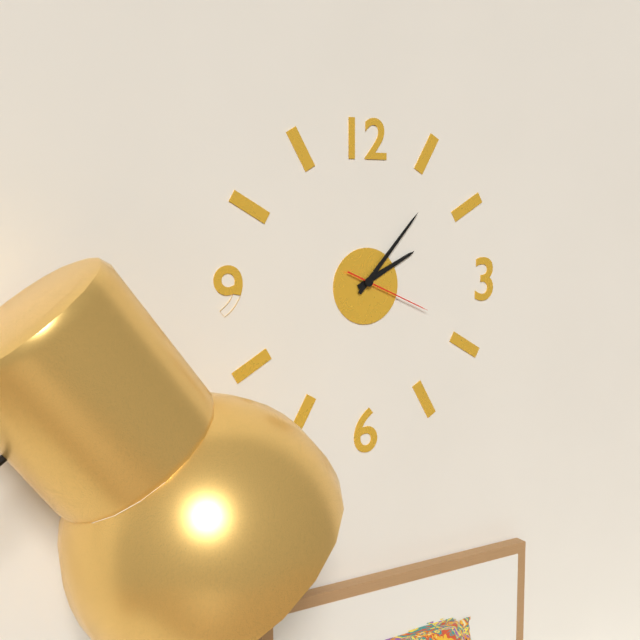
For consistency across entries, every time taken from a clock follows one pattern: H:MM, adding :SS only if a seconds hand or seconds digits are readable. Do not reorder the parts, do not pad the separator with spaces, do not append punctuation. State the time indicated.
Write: 2:07:19
